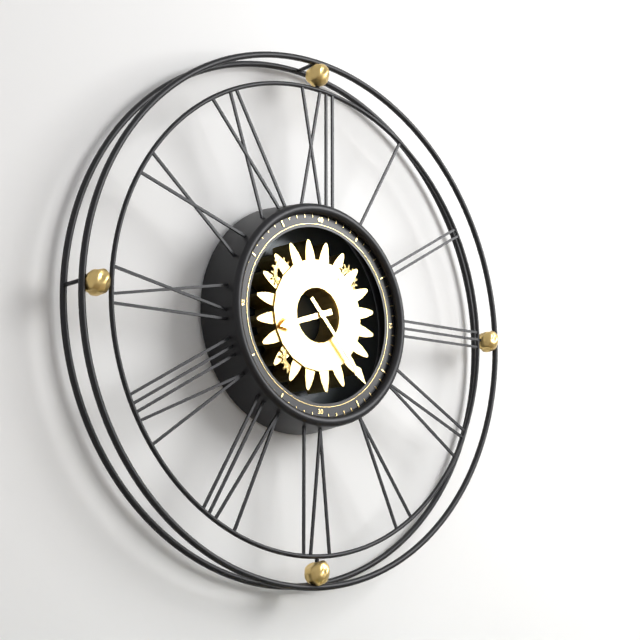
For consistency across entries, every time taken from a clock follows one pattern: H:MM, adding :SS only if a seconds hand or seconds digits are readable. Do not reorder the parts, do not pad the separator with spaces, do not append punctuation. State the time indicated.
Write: 8:23
